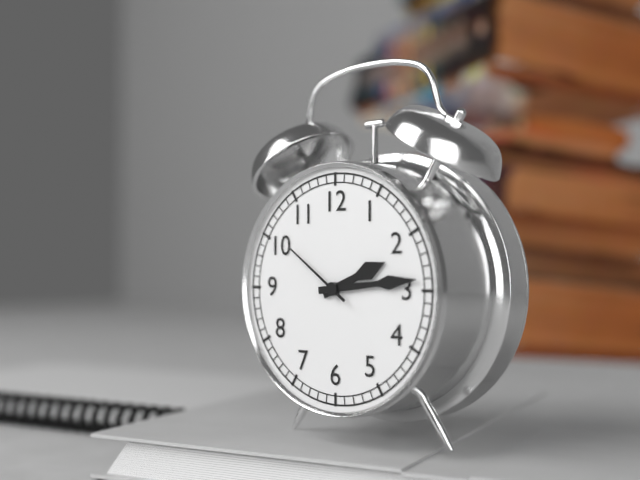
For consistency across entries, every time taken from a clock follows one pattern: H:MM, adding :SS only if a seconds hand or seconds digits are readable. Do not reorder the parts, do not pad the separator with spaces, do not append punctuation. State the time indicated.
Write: 2:14:51
